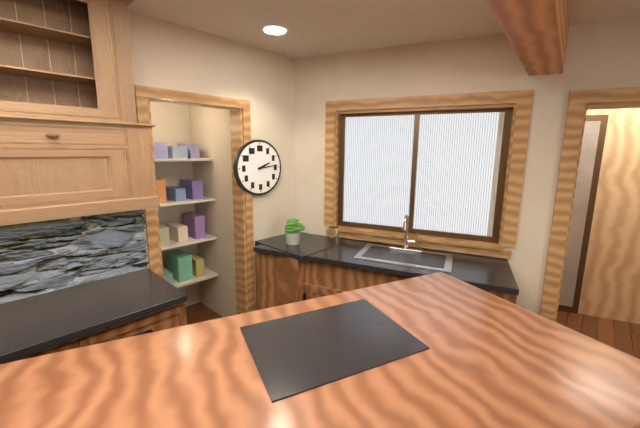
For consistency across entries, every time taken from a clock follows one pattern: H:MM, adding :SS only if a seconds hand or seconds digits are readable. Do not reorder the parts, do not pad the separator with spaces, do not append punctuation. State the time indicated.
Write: 2:14
